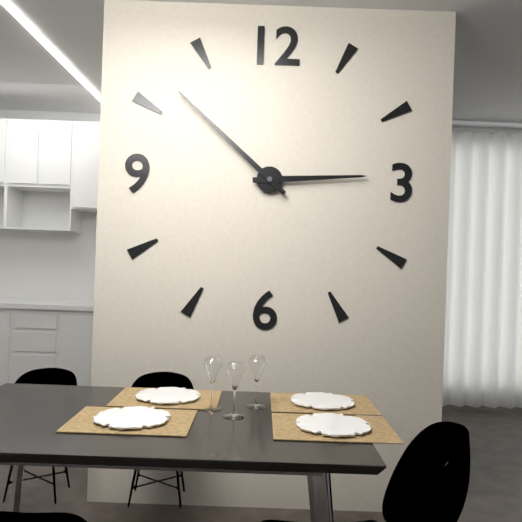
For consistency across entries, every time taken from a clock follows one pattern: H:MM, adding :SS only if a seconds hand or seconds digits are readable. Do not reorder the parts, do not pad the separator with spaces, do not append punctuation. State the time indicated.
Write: 2:52
